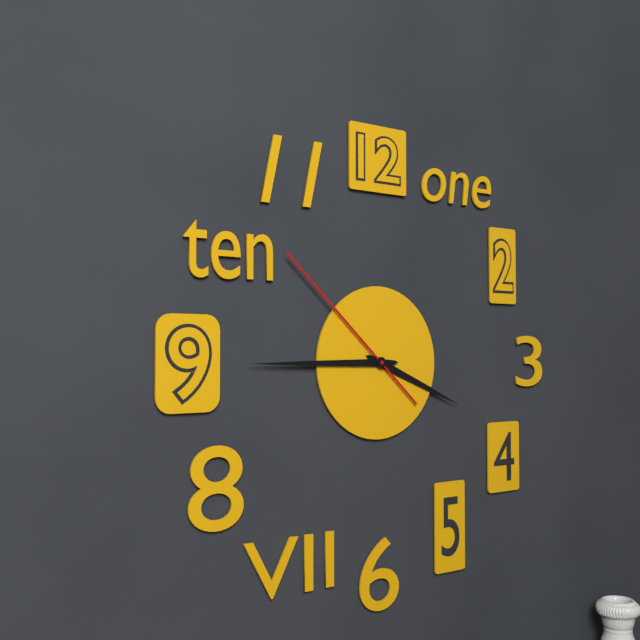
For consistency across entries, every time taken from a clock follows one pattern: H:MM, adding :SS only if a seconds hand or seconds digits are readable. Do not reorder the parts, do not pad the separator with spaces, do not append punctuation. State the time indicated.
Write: 3:45:52
